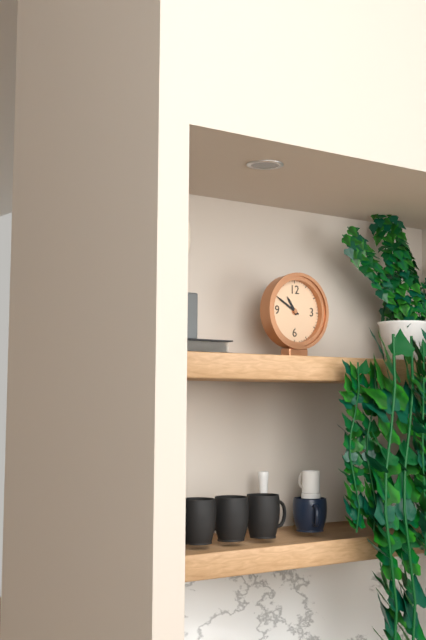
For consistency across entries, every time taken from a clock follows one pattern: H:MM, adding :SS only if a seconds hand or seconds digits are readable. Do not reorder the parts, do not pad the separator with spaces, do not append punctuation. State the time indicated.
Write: 10:50
